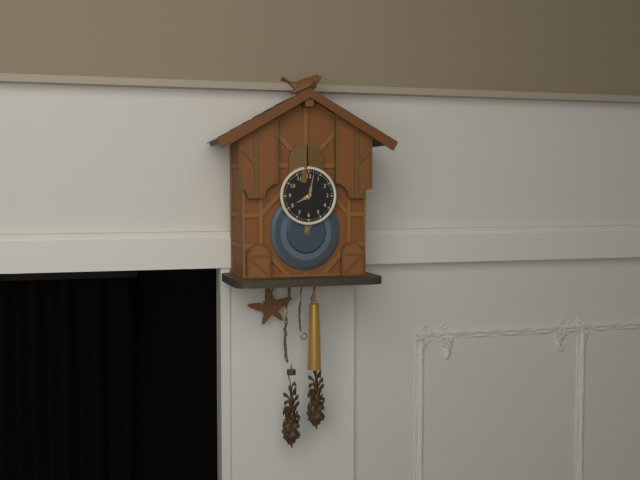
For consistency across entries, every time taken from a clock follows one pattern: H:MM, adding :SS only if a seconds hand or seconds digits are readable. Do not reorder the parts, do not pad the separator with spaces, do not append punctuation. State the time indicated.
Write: 8:02
